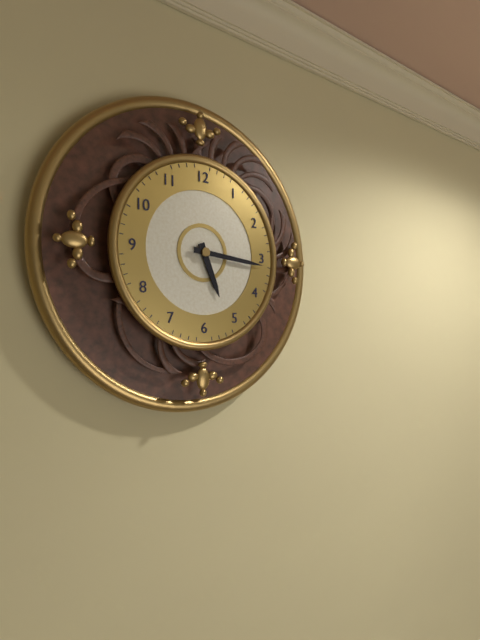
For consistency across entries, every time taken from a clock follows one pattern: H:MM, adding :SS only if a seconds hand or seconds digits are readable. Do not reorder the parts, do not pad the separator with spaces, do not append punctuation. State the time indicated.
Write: 5:16
